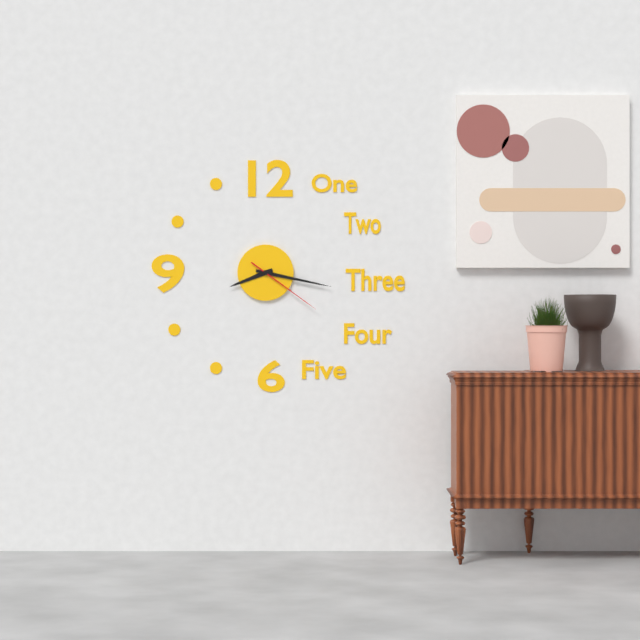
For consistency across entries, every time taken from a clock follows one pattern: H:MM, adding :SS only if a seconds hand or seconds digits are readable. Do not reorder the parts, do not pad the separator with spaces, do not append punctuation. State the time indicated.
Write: 8:17:21
